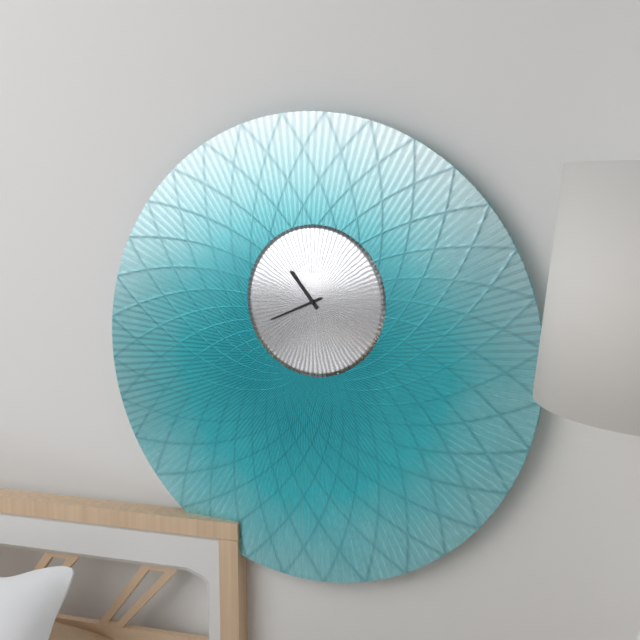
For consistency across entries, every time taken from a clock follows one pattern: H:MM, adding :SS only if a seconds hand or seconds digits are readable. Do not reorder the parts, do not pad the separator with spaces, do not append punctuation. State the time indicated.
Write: 10:41
